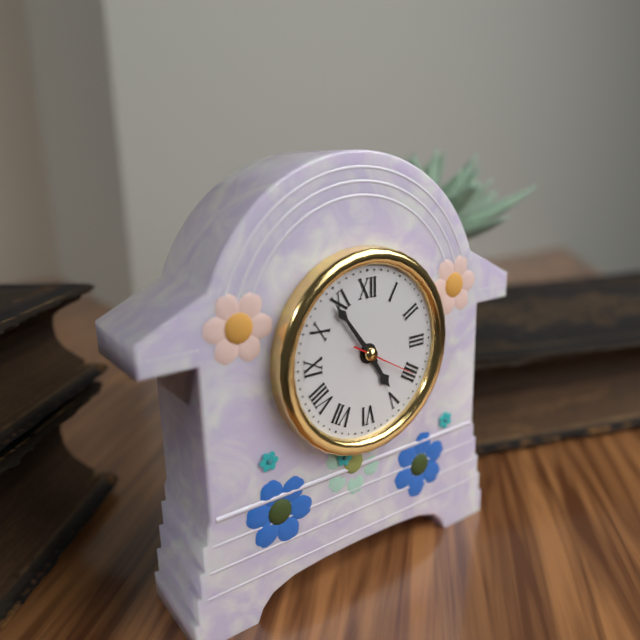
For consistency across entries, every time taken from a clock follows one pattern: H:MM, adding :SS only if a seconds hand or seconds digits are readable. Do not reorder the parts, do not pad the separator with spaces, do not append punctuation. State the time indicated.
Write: 4:54:20
